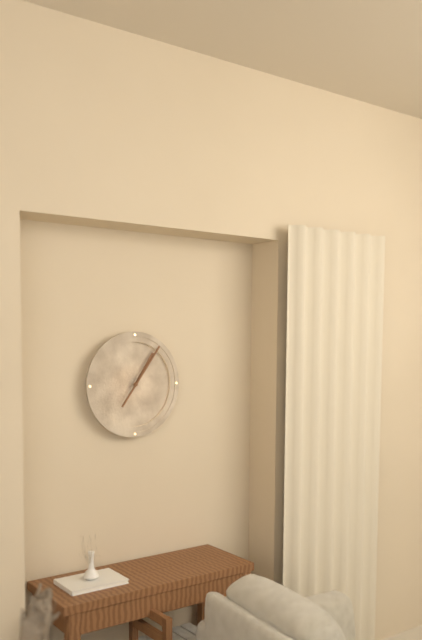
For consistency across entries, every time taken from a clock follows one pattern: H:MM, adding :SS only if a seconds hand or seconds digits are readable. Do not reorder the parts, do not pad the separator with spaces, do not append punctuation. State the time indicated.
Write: 1:06
